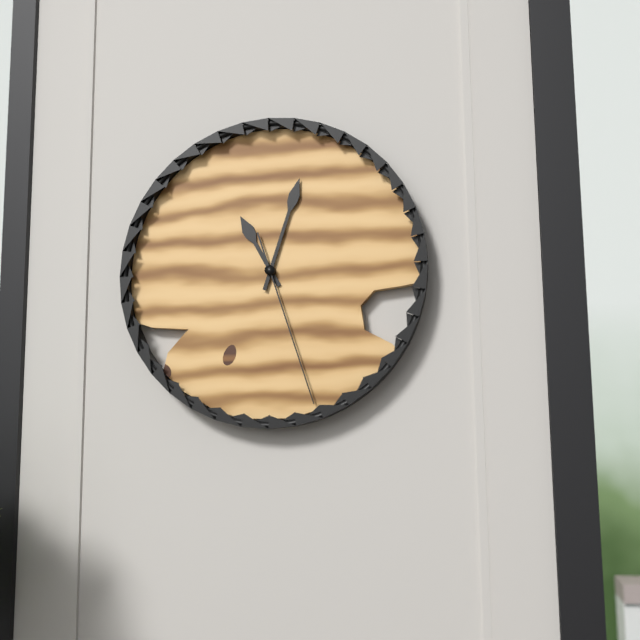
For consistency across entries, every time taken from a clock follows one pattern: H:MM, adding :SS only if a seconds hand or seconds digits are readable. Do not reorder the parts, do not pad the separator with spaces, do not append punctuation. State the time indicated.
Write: 11:03:27
